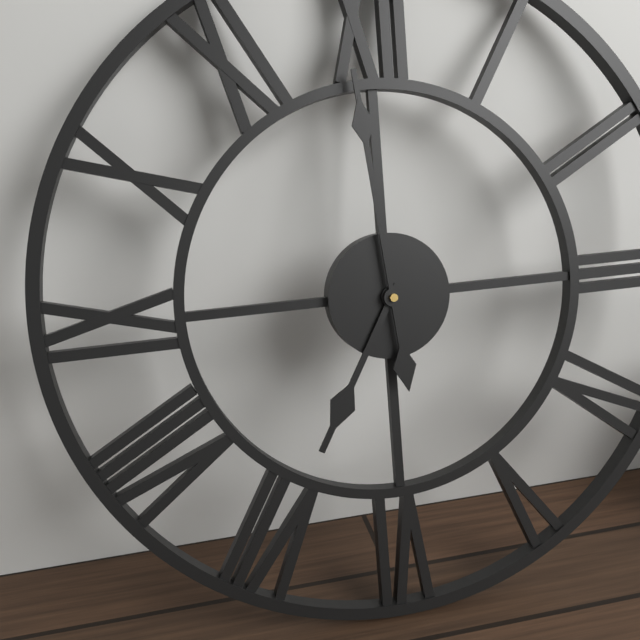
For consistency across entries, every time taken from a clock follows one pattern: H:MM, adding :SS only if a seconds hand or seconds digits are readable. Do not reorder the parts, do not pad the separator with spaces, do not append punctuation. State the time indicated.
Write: 6:59
